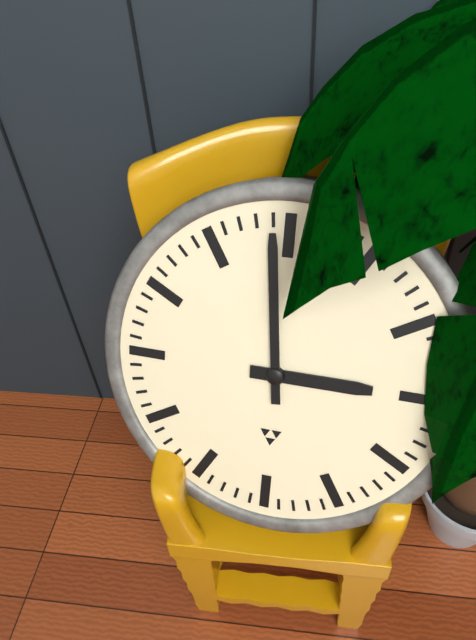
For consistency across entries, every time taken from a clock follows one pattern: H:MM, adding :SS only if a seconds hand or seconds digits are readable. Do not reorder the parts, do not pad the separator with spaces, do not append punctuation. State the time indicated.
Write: 2:59
